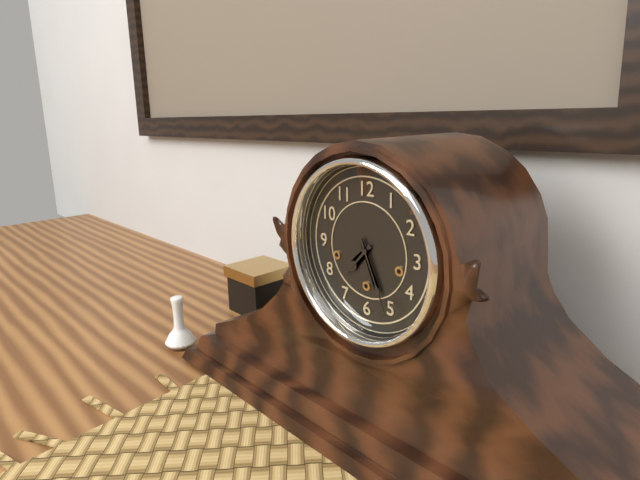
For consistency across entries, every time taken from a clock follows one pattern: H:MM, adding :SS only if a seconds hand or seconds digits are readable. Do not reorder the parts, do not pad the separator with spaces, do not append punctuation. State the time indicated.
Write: 7:26
